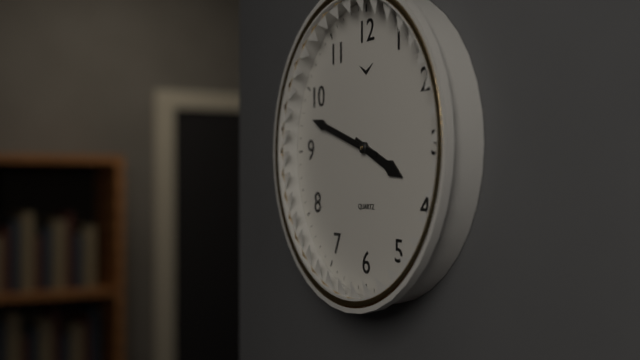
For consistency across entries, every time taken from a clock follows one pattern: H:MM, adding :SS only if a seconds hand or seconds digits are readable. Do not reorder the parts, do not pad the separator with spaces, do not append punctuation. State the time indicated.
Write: 3:48
